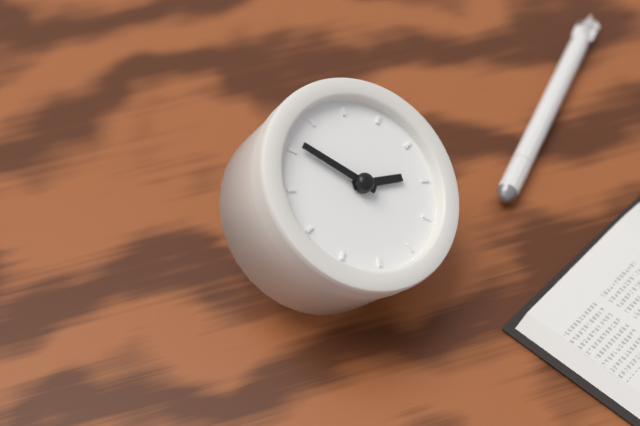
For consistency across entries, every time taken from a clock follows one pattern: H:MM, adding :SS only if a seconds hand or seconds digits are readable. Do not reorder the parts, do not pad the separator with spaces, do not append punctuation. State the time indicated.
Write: 2:51
